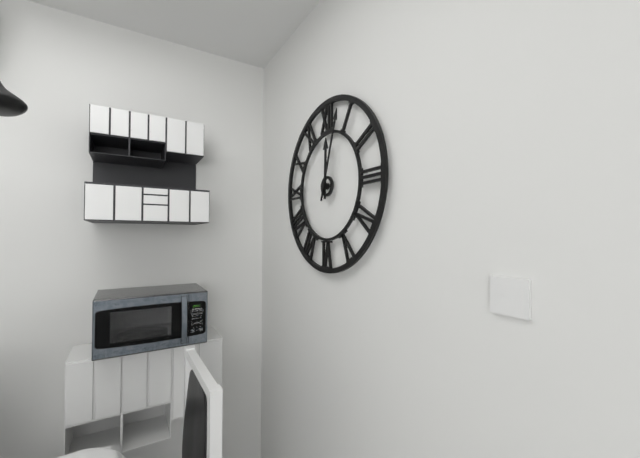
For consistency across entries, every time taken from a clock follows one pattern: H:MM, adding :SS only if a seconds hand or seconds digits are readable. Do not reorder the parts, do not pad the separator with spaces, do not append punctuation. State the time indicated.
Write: 12:03
